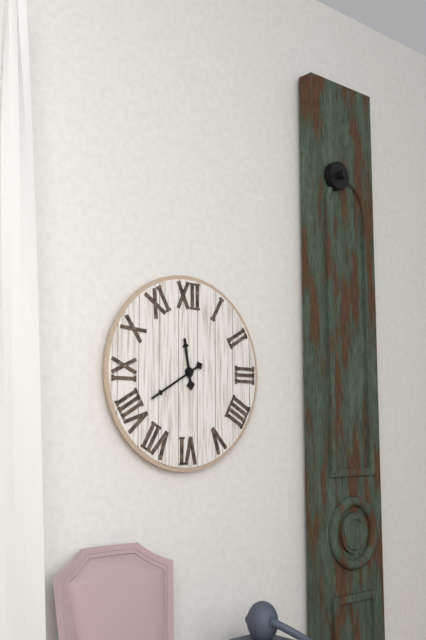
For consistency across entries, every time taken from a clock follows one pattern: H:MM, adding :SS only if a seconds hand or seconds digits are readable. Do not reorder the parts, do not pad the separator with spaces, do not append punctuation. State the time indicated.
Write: 11:40
